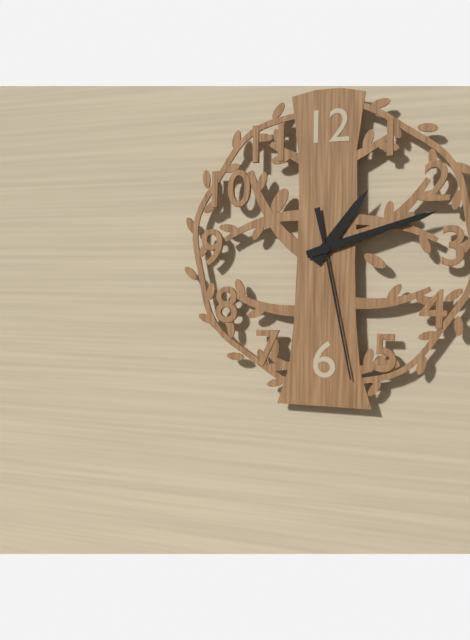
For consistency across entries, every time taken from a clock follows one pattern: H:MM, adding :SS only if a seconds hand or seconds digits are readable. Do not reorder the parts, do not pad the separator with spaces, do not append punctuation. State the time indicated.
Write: 1:12:28
